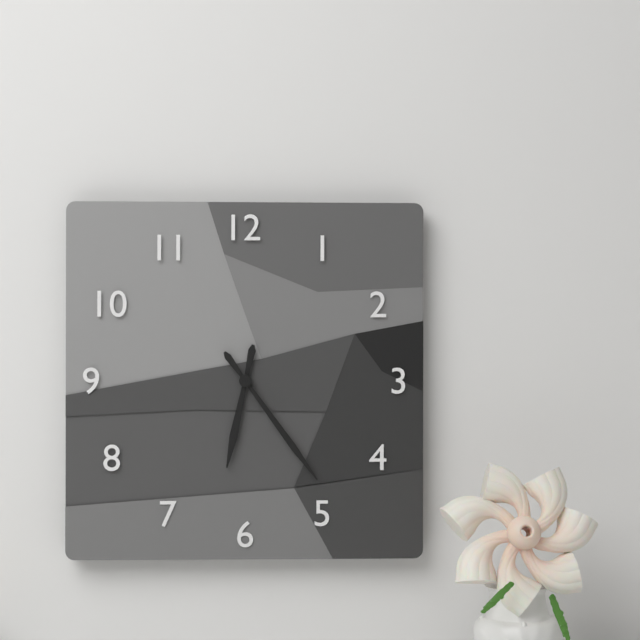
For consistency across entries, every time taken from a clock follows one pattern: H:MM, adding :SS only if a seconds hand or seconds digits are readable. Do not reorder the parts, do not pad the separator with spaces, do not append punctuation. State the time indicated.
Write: 6:24
